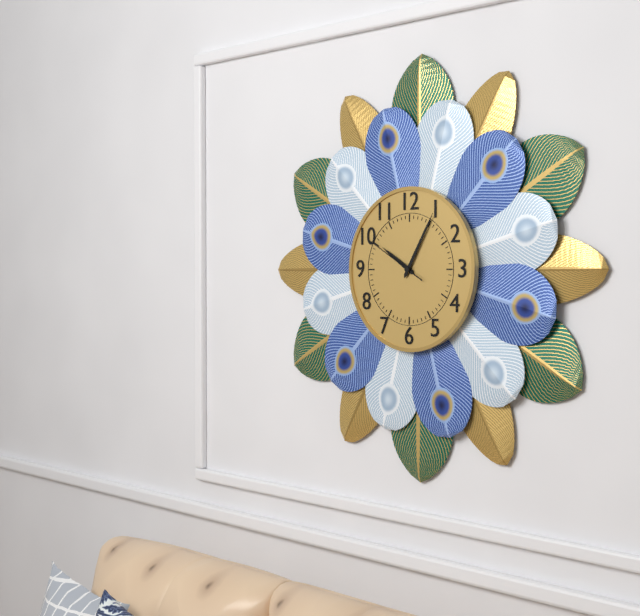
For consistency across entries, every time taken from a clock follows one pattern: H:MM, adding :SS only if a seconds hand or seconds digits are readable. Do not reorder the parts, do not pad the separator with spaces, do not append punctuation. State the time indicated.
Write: 10:05:50
